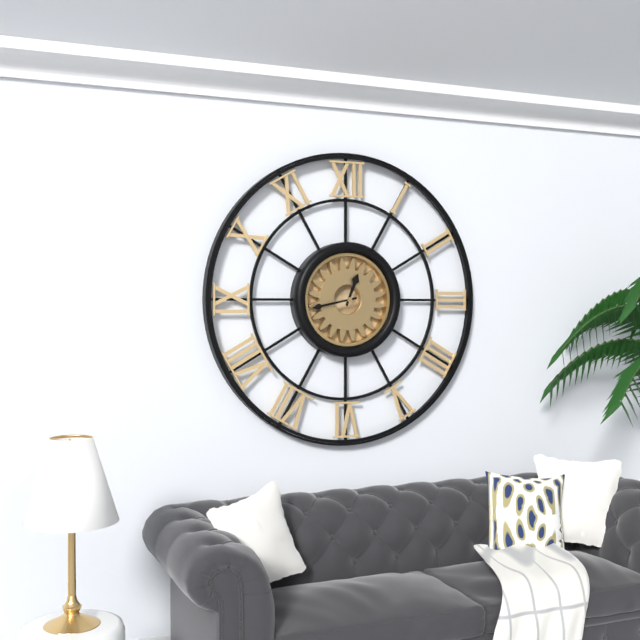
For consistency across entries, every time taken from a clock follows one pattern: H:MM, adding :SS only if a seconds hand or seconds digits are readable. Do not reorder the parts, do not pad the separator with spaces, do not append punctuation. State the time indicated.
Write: 12:43
